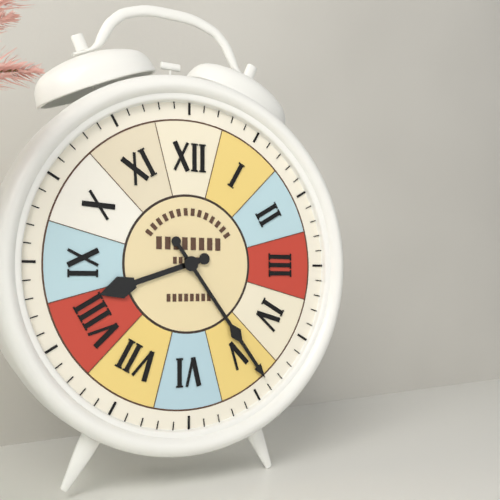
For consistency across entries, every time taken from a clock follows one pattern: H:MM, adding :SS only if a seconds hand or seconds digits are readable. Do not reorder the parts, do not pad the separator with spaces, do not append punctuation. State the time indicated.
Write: 8:24
